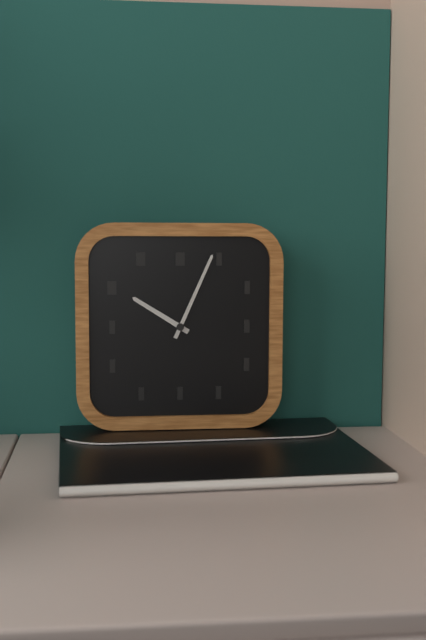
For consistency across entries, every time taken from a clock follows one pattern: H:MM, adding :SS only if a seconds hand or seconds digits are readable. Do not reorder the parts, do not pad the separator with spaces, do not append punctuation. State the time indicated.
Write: 10:04
